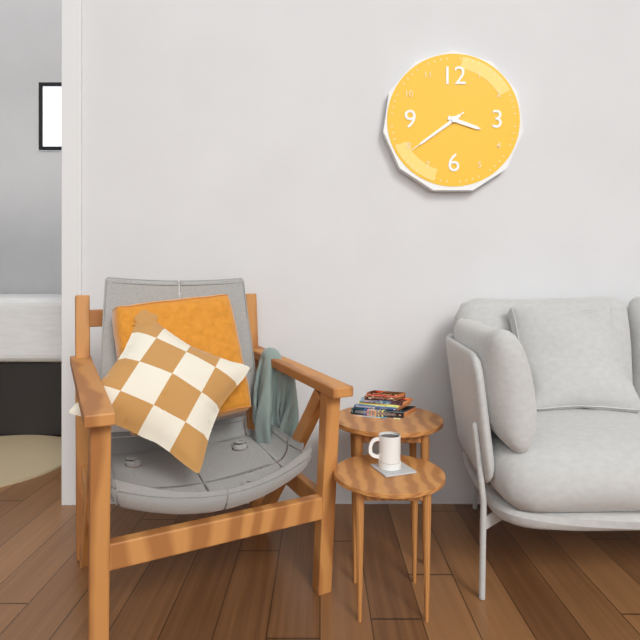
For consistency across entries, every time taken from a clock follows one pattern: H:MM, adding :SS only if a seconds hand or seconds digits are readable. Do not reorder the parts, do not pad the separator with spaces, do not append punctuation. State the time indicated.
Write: 3:39:39
